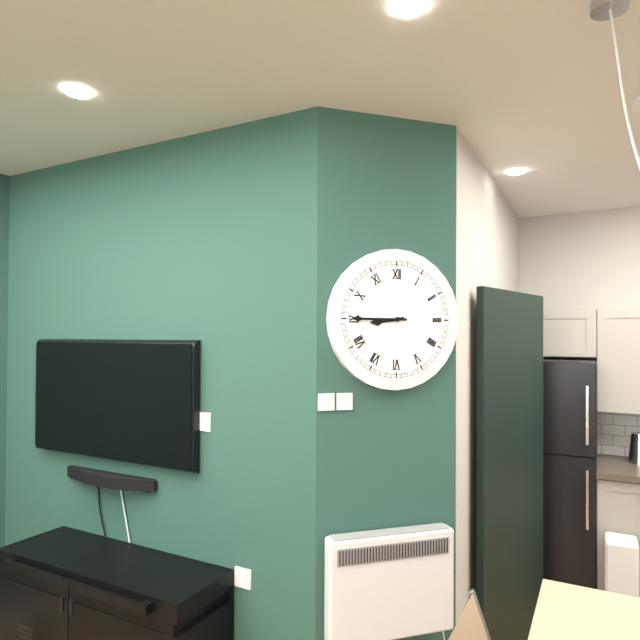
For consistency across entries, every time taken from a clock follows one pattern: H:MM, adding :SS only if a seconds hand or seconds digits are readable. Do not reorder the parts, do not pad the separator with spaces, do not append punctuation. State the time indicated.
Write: 8:45
